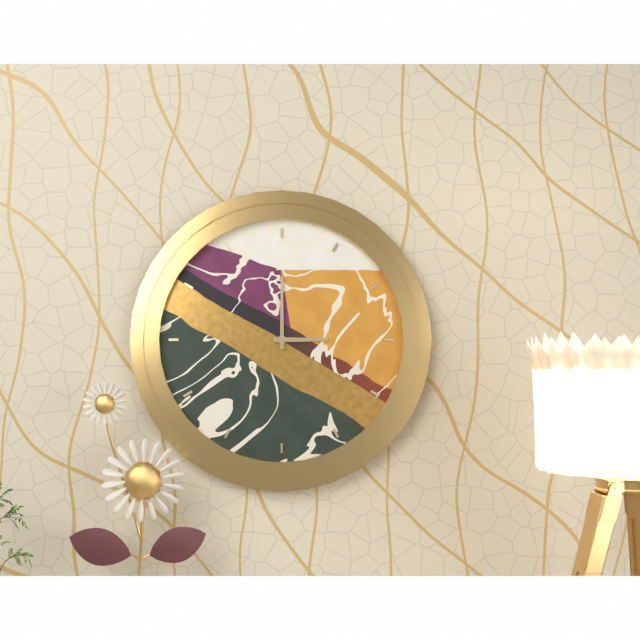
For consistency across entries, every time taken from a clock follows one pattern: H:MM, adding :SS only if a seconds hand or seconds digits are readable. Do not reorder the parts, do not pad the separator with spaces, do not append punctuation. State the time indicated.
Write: 3:00
